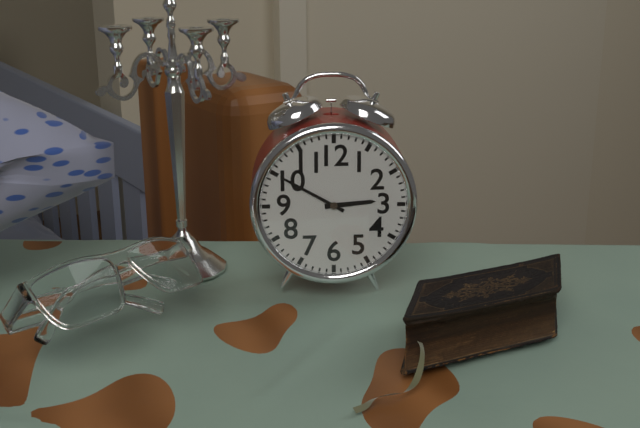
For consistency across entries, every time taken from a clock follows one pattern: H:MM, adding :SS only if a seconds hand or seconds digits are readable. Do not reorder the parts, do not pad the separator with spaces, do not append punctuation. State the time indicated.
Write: 2:50
